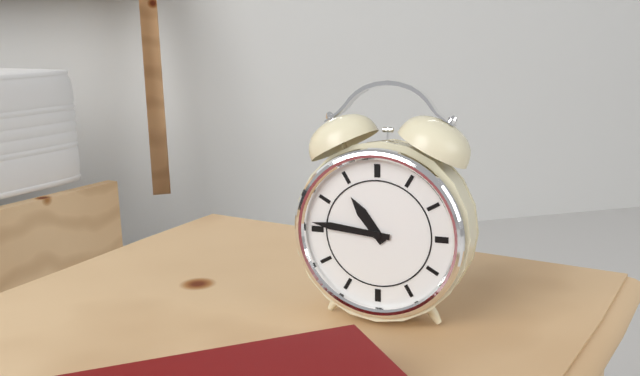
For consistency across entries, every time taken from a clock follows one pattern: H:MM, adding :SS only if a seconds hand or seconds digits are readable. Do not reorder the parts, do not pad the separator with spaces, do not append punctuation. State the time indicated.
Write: 10:46
